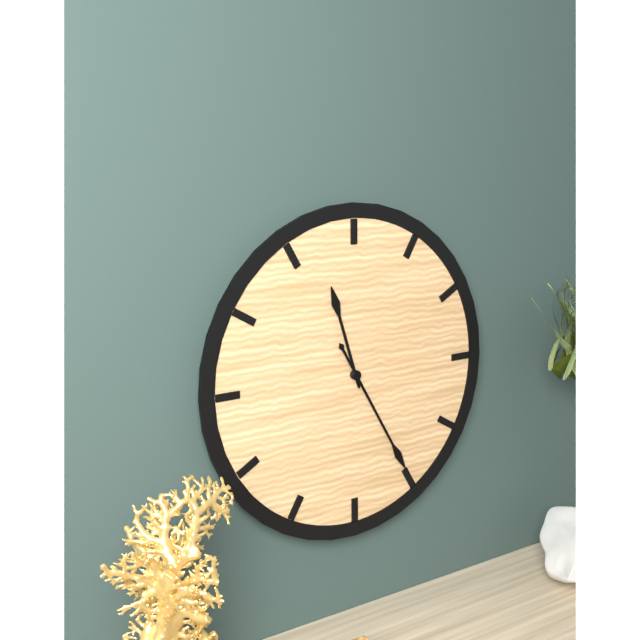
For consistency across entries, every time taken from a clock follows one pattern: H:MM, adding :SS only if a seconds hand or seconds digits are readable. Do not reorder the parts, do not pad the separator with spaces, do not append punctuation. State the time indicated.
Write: 11:25
